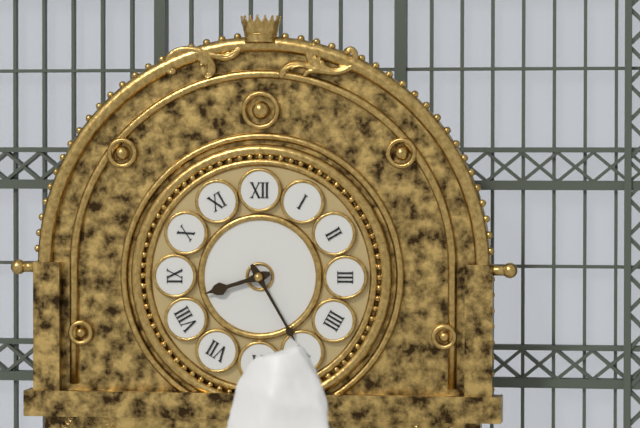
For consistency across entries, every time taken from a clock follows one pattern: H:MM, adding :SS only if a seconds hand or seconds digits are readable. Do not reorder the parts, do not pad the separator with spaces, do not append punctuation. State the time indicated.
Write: 8:25
